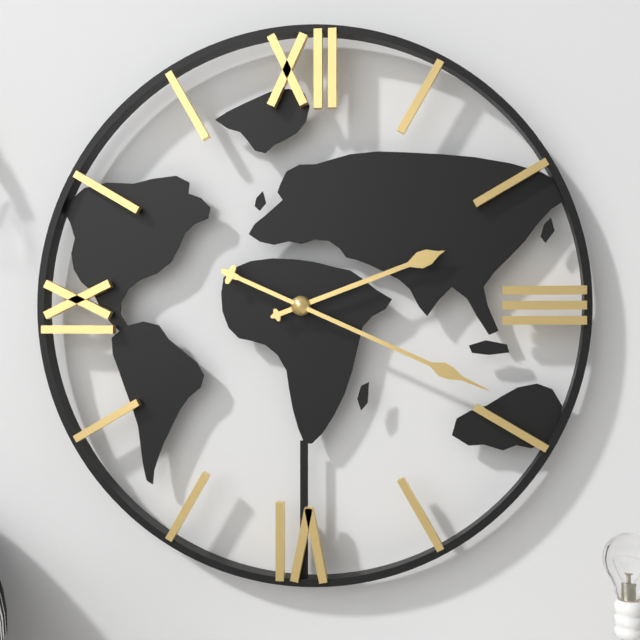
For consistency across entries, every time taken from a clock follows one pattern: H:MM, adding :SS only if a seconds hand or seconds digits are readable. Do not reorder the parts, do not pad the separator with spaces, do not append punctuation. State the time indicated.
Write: 2:19
